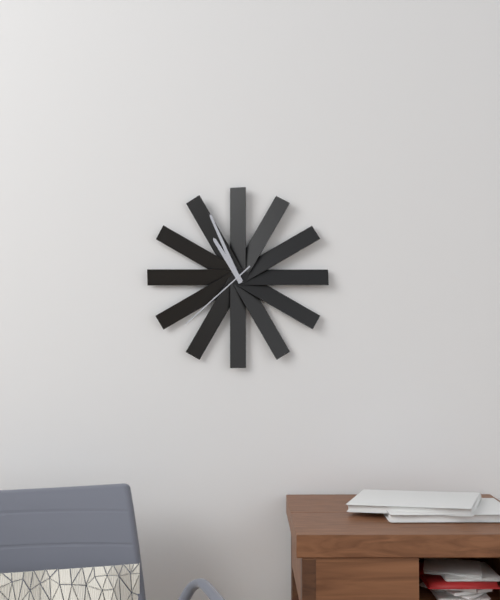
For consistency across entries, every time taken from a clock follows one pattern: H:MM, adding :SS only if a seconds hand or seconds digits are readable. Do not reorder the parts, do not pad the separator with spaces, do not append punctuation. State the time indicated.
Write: 10:56:38
